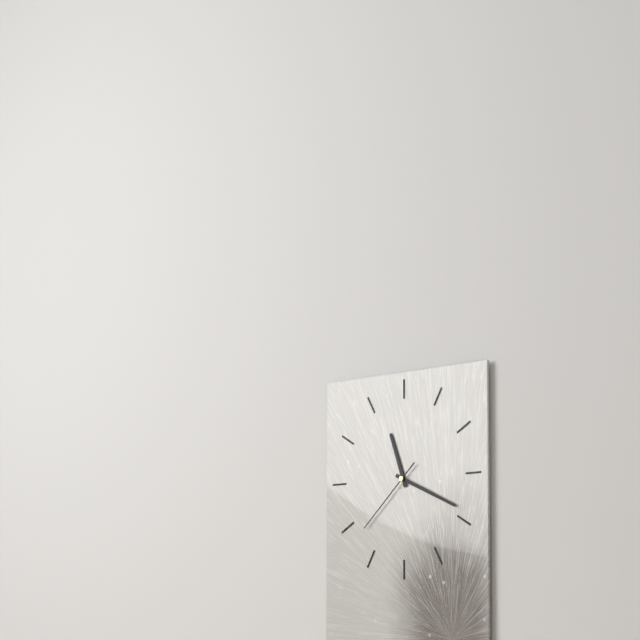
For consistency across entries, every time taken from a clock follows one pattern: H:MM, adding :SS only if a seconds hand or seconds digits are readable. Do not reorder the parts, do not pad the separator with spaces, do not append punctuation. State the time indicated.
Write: 11:19:38
